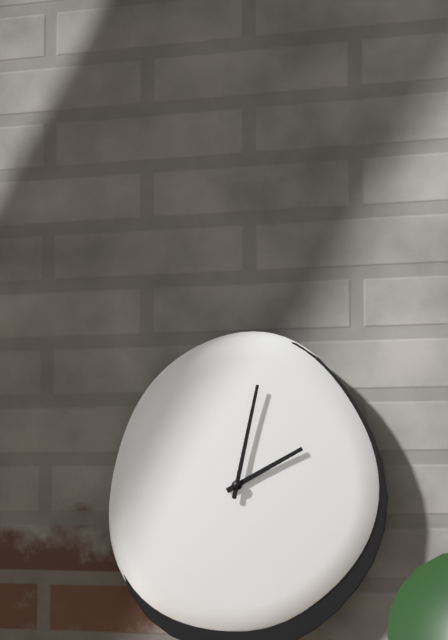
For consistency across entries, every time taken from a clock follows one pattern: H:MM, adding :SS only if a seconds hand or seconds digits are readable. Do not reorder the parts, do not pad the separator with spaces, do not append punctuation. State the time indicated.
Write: 2:02
